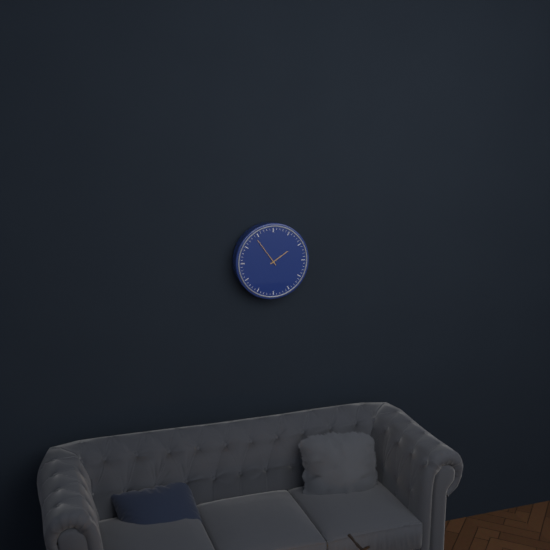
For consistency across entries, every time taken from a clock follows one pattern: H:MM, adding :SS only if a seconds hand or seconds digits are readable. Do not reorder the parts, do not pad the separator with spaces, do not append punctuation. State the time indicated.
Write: 1:54
